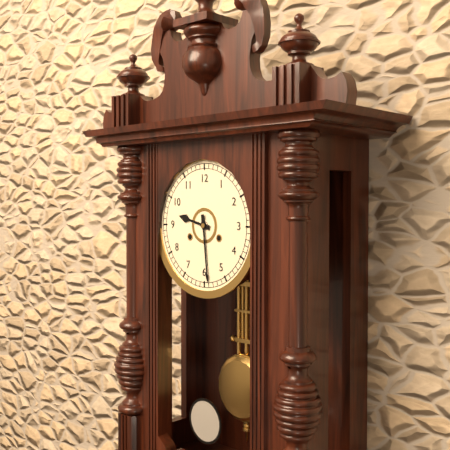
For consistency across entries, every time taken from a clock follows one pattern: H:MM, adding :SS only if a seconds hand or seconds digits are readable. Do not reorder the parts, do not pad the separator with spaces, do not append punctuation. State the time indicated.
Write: 9:29
